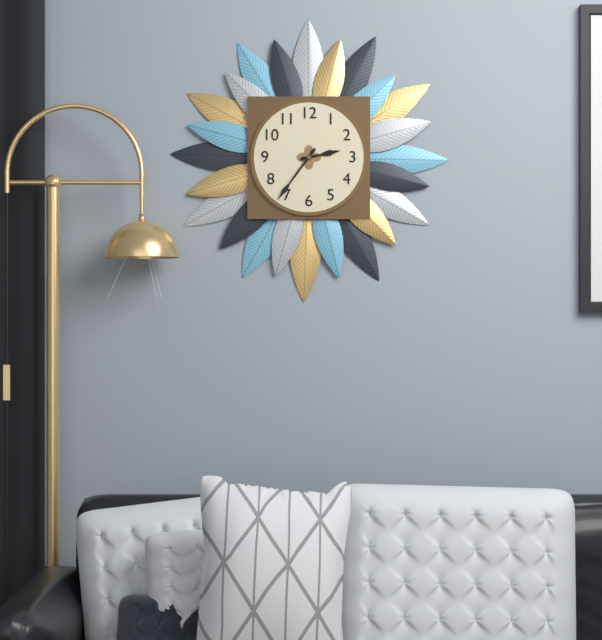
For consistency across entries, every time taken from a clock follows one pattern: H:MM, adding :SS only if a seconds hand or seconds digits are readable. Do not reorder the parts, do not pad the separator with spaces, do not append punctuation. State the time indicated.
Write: 2:36
